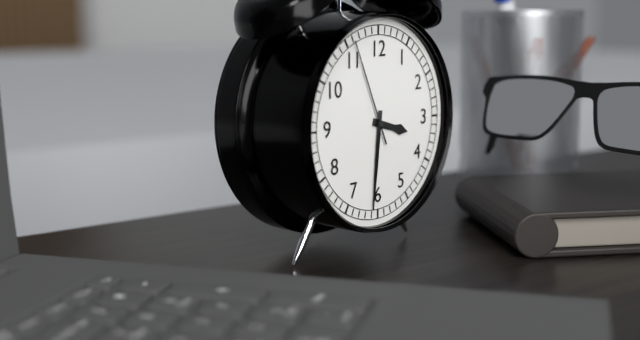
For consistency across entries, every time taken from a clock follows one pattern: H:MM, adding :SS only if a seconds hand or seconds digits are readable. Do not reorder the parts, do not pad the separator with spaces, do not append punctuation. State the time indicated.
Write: 3:31:56
